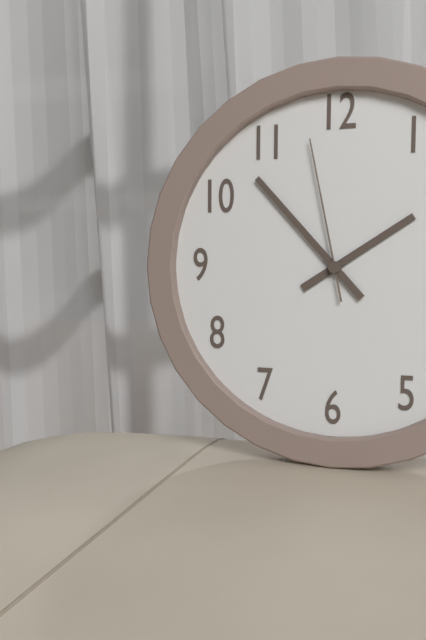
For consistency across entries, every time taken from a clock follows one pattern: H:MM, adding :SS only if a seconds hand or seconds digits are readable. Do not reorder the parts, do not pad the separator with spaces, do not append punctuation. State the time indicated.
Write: 1:53:58
